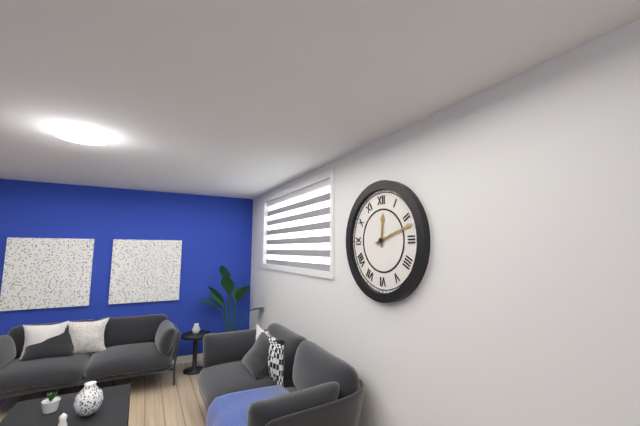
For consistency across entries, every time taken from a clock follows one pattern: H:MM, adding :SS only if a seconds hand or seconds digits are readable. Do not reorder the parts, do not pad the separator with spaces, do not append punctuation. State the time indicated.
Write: 12:12
